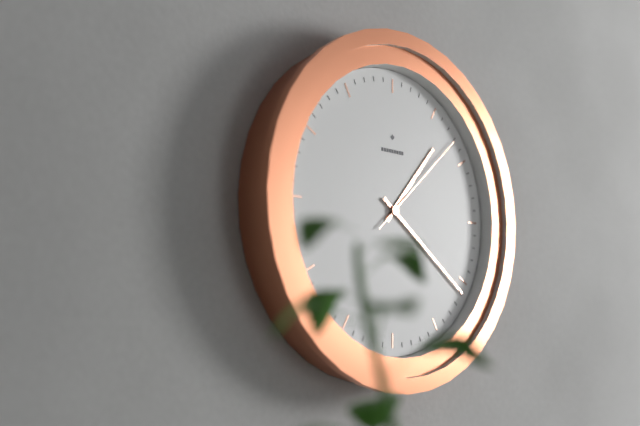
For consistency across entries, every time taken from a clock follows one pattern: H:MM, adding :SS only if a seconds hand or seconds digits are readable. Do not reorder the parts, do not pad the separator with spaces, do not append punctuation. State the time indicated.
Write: 1:21:08
